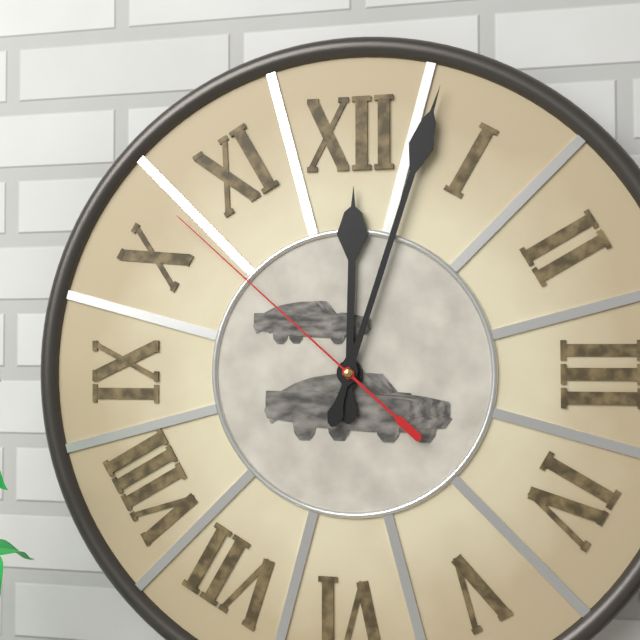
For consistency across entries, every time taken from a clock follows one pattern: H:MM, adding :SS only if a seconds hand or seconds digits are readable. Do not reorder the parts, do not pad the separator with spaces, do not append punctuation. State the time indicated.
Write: 12:03:52
